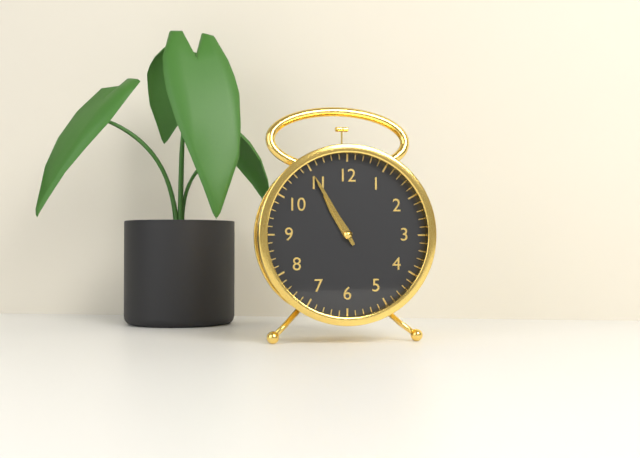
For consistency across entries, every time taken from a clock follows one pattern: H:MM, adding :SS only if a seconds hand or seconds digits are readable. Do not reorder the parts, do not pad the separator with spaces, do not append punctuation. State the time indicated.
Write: 10:55
